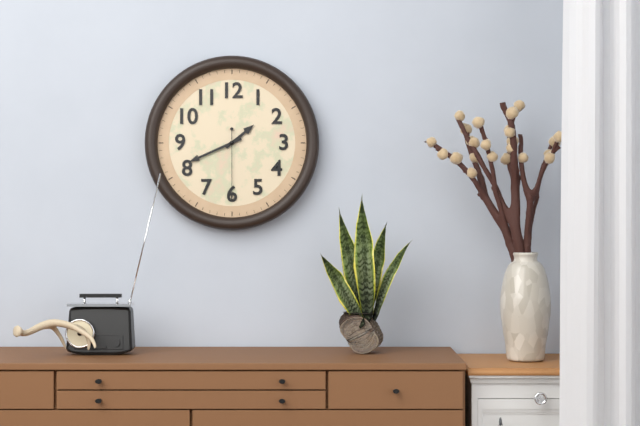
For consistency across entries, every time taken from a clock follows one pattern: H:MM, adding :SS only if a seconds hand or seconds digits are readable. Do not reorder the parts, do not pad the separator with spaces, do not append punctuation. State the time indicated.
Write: 1:41:30
